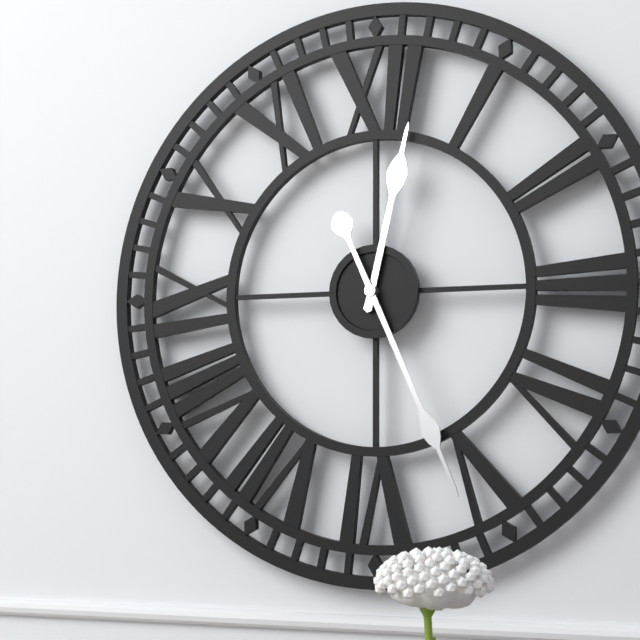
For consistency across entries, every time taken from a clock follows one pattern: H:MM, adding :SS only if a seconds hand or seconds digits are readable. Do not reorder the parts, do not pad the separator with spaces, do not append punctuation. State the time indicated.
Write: 12:26
